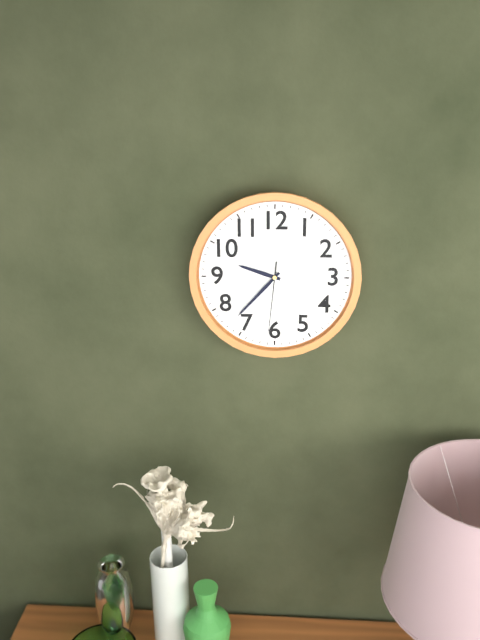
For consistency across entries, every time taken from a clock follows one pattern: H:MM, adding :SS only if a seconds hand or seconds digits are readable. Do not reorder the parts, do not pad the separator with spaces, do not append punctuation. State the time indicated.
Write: 9:37:31
